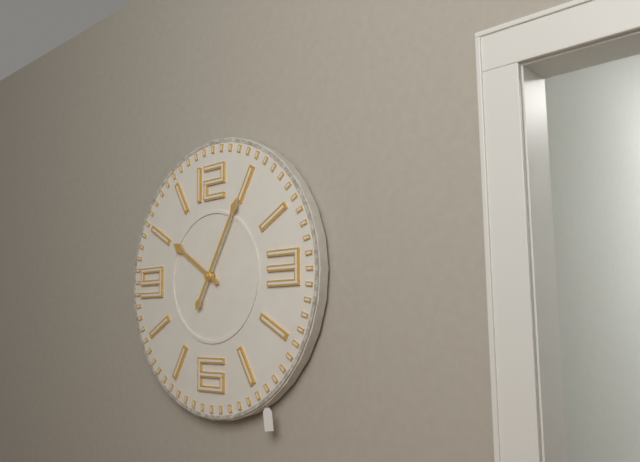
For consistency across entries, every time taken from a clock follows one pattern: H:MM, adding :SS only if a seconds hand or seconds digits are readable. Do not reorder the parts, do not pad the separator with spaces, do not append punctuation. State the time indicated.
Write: 10:05
